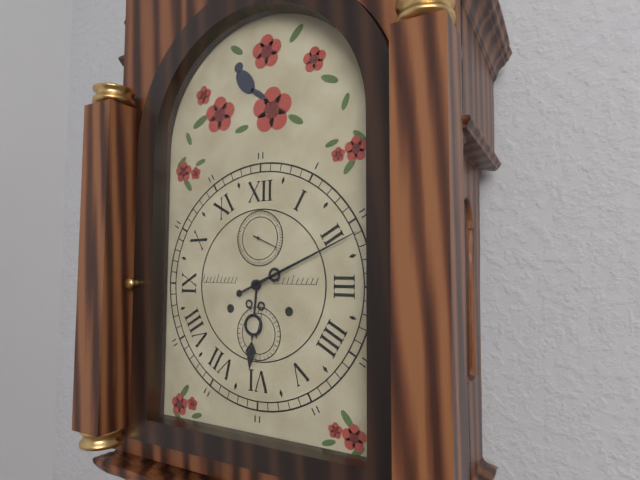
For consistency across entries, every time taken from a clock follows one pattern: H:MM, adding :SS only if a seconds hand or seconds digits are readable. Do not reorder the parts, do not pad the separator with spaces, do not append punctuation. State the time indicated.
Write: 6:11
